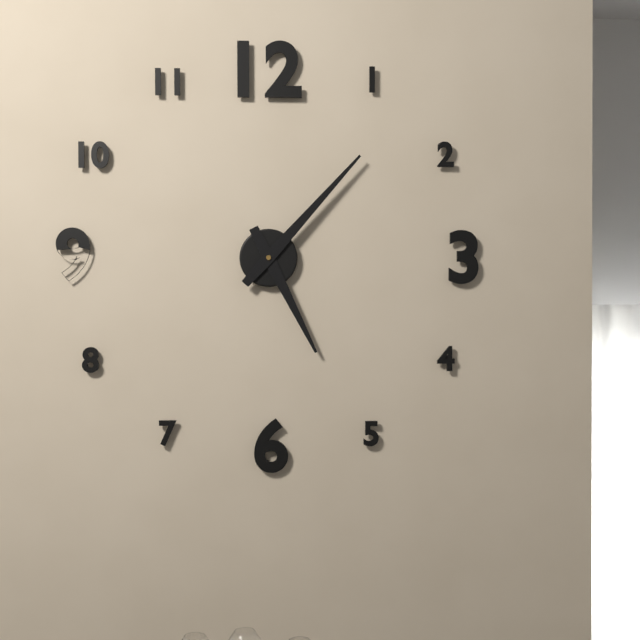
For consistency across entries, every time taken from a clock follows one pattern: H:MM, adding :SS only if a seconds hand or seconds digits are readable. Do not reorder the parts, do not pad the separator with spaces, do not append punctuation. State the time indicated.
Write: 5:07
